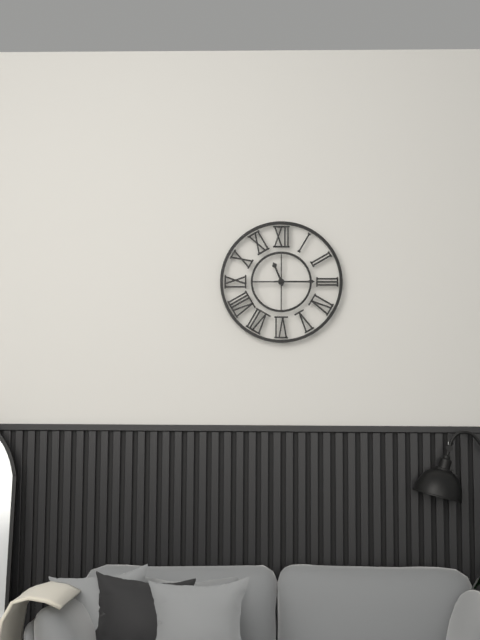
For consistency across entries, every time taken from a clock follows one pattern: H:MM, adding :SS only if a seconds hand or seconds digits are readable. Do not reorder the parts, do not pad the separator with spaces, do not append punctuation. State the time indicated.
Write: 11:15
